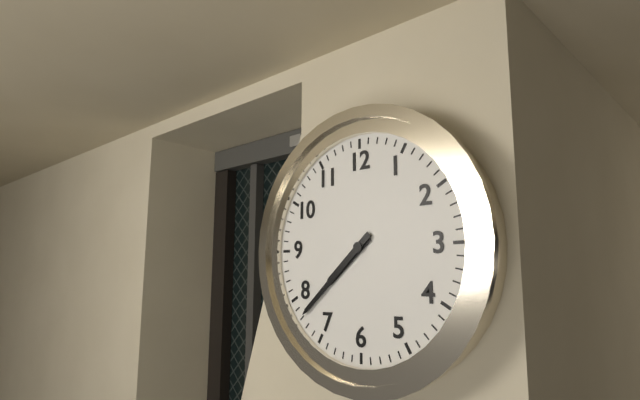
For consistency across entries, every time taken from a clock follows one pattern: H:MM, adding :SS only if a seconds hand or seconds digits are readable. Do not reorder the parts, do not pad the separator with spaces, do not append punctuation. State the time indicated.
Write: 7:38
